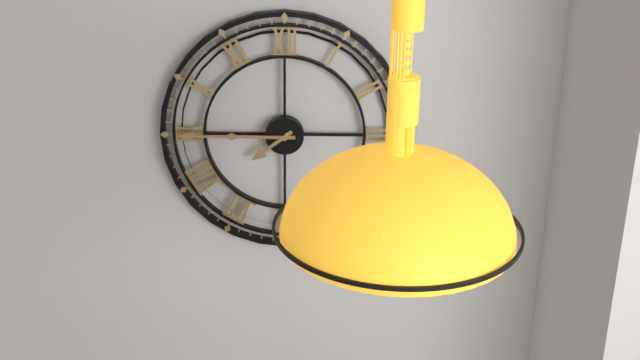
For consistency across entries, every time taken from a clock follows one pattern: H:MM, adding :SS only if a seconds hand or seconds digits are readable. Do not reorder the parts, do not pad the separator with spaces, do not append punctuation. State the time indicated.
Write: 7:45
